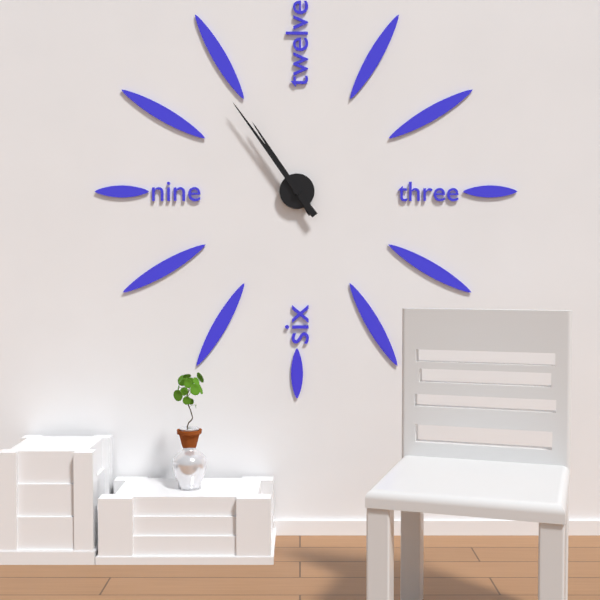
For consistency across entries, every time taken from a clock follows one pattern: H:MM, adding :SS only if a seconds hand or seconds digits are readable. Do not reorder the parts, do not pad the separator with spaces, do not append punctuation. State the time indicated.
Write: 10:54
